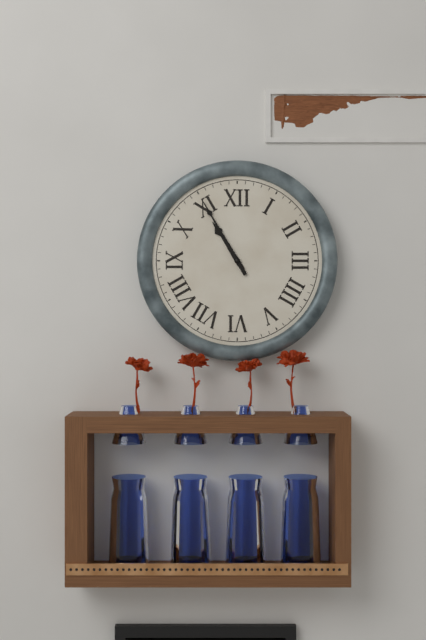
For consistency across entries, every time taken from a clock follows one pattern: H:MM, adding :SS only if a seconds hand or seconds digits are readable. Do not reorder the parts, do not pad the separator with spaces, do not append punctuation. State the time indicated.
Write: 10:55
